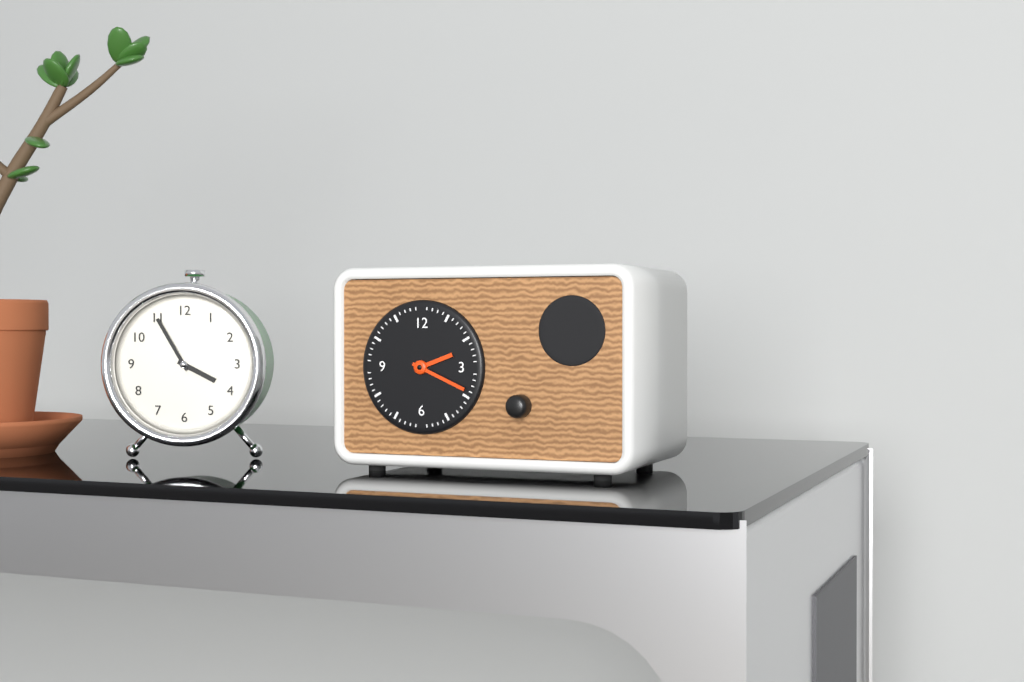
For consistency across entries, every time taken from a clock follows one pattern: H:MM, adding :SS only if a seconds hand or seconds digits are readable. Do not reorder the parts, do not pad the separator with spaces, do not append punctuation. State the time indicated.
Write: 2:19
